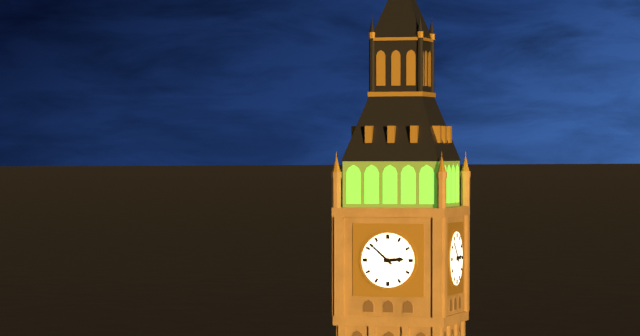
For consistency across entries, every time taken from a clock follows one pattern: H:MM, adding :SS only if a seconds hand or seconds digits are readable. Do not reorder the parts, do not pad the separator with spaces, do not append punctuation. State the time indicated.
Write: 2:52
